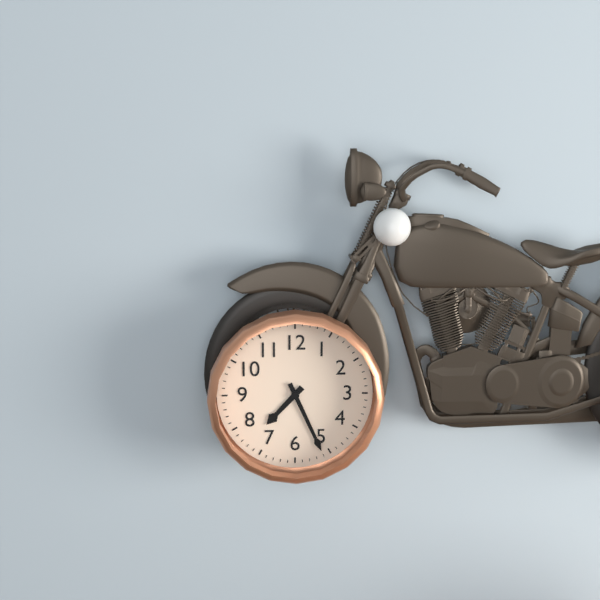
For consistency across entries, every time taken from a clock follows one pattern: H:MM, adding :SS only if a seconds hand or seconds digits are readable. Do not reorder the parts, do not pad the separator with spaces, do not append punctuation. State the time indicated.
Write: 7:26
